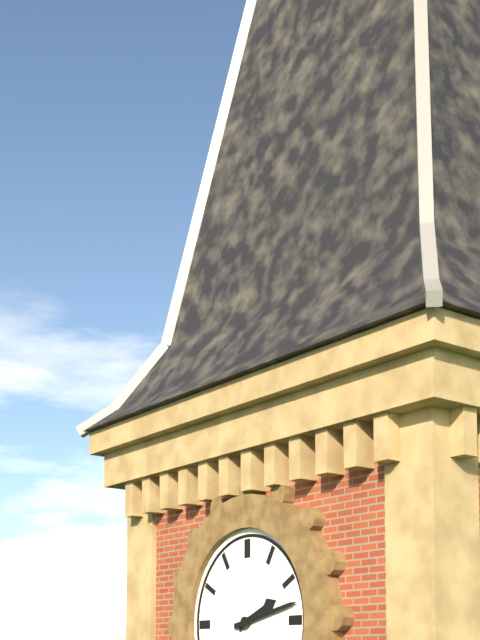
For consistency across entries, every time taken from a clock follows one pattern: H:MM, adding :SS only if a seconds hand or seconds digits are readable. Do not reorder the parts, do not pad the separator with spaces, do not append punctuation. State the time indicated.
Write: 2:13
